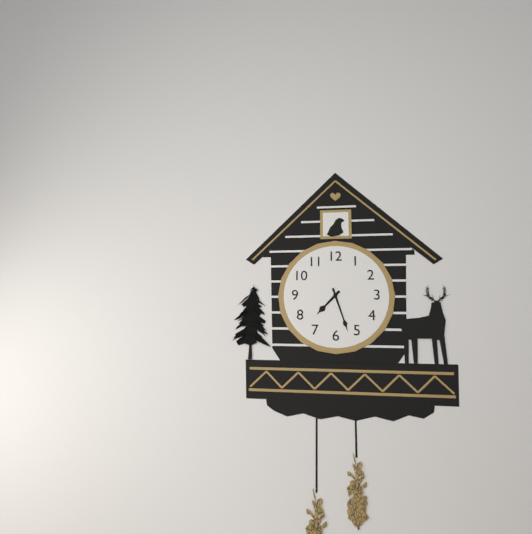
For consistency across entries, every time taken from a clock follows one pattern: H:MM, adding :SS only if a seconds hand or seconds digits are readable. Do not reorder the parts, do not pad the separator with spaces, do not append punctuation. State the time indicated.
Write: 7:27
